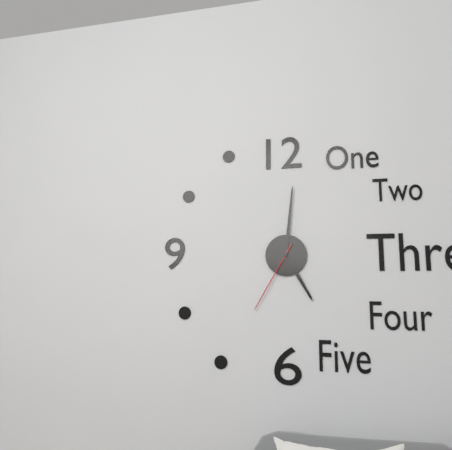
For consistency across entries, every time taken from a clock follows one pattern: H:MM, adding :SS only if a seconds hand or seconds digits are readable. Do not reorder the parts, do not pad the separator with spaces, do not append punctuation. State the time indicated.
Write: 5:01:35
